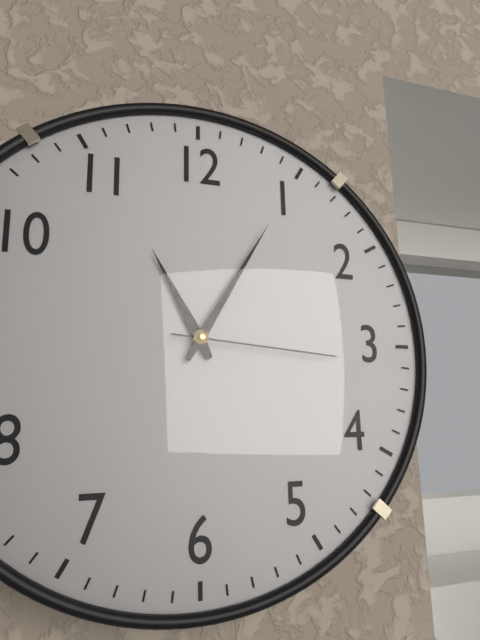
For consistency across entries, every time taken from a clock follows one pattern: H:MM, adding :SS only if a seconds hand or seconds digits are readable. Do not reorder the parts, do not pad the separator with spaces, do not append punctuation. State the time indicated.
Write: 11:05:16
